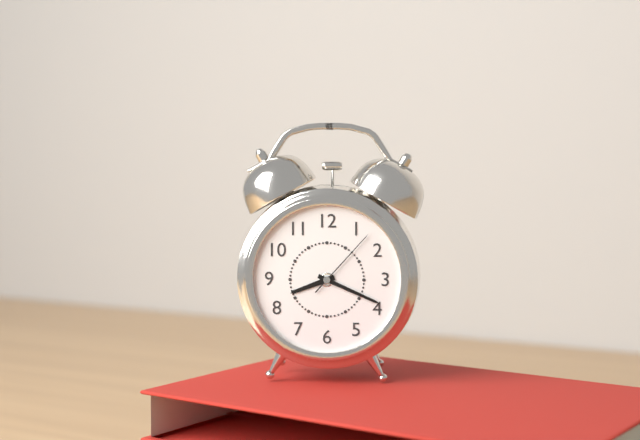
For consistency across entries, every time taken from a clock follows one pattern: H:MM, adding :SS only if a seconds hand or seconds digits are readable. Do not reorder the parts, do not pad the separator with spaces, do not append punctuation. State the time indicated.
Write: 8:19:07
